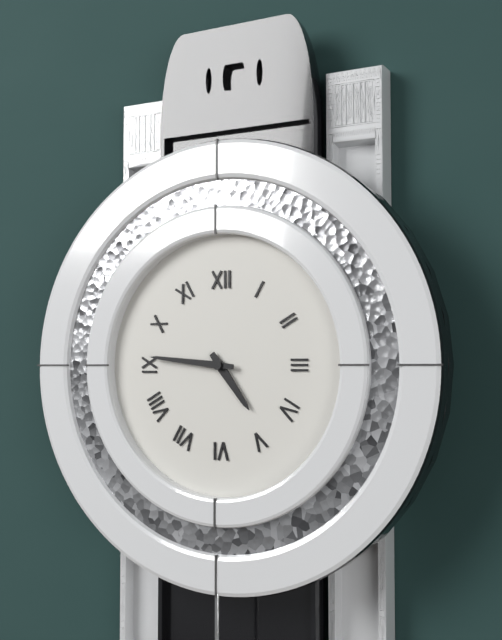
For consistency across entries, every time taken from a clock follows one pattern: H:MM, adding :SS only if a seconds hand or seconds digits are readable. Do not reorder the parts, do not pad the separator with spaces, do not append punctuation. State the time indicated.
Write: 4:46
